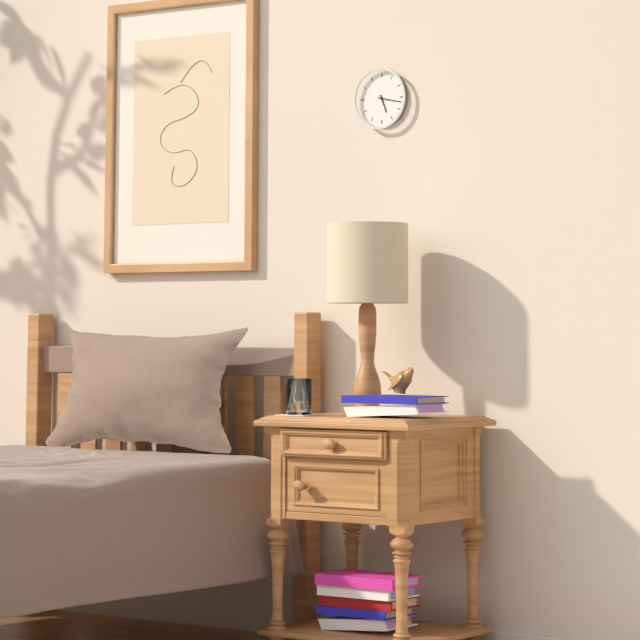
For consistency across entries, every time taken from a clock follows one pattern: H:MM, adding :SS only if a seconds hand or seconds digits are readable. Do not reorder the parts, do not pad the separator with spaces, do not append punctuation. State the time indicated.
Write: 5:17
